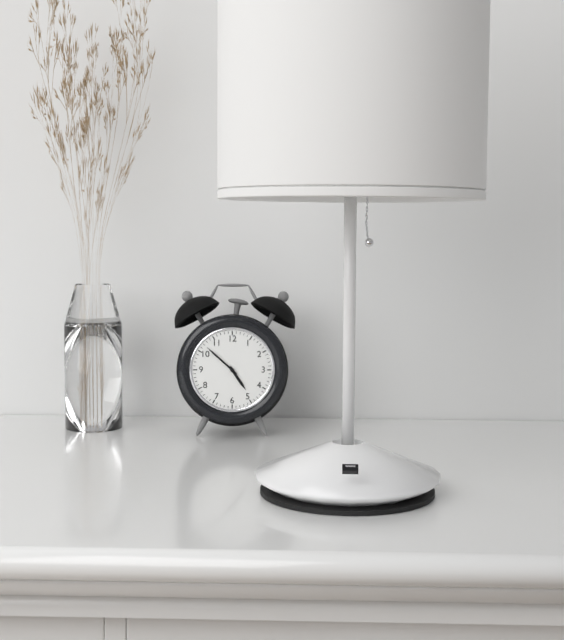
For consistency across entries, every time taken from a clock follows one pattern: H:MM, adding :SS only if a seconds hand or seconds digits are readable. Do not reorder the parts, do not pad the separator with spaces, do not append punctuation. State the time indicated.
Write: 4:52
